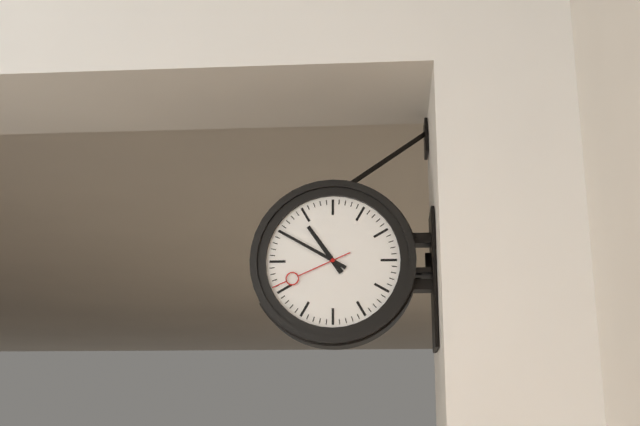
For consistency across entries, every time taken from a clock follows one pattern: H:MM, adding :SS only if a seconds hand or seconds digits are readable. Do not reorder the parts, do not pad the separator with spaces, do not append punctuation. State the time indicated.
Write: 10:50:41
